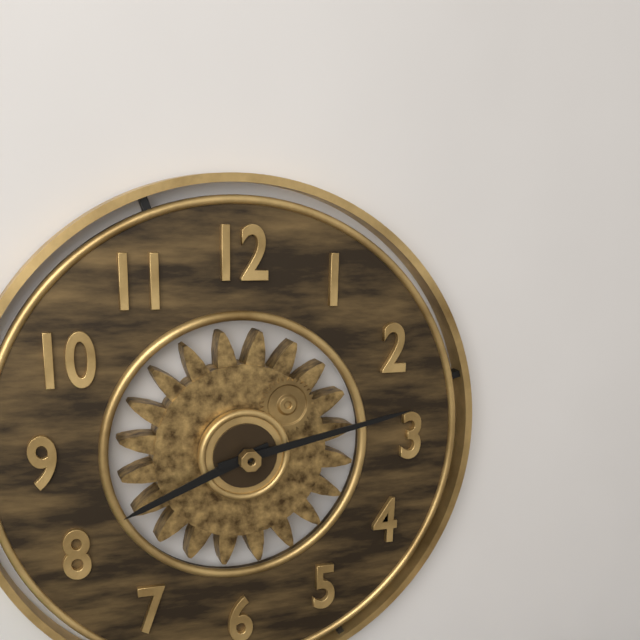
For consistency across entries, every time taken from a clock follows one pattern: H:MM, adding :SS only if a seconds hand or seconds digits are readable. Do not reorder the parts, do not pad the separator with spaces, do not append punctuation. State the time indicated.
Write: 8:13
